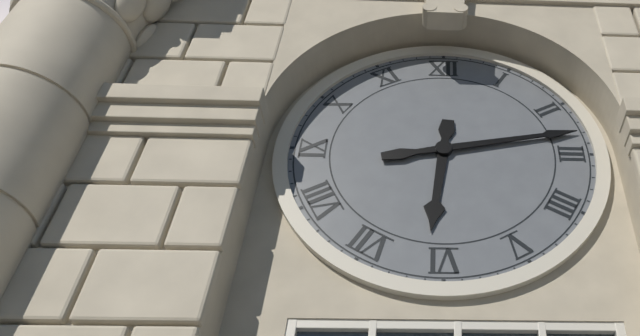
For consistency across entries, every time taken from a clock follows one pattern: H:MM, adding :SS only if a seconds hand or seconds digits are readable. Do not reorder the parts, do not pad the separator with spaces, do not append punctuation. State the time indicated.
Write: 6:13
